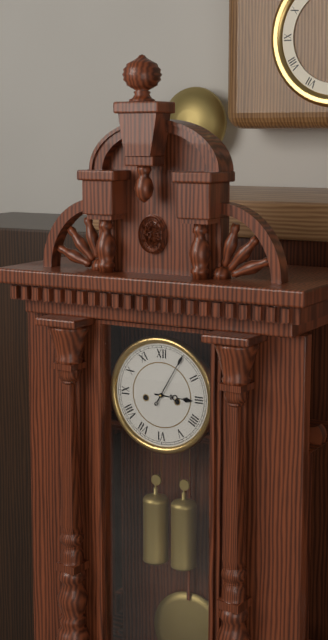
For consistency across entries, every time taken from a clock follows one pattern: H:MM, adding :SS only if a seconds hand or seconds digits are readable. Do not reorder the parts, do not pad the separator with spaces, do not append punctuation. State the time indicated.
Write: 3:05
